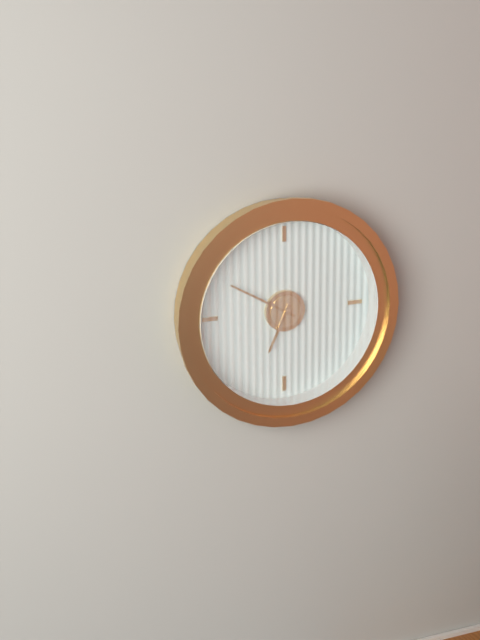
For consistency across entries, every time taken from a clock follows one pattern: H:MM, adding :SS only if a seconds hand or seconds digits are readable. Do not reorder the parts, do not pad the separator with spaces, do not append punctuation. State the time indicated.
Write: 6:50
